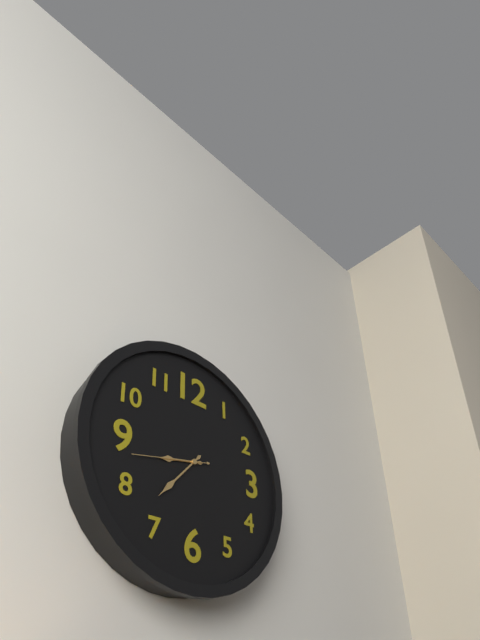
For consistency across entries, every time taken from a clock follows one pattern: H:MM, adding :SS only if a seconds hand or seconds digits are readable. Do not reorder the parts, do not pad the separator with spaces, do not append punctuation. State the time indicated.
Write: 8:37:43
